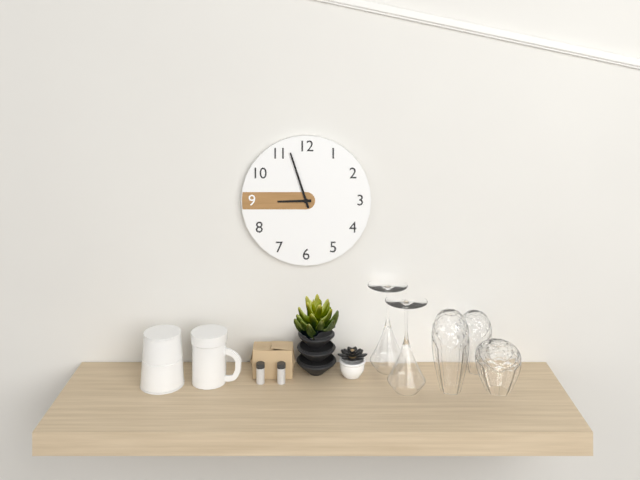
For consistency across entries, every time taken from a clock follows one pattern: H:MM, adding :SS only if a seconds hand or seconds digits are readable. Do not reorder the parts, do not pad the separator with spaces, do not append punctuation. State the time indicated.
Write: 8:57
